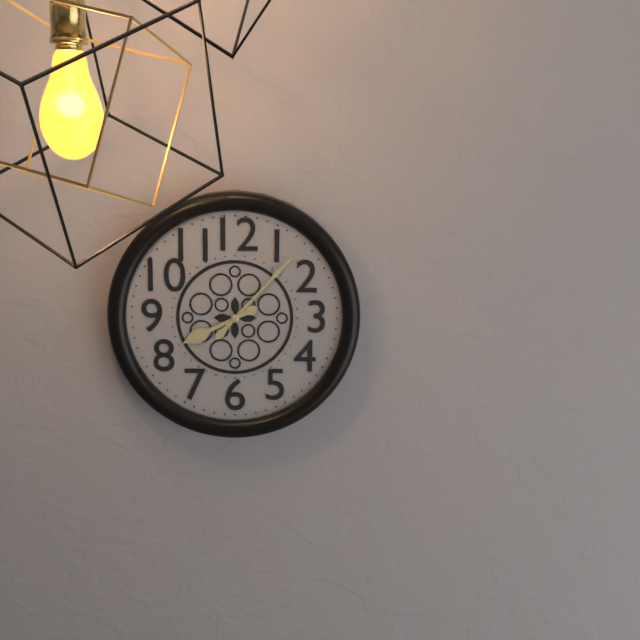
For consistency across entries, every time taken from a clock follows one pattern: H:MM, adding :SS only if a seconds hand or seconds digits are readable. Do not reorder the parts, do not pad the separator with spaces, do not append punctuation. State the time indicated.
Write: 8:07
